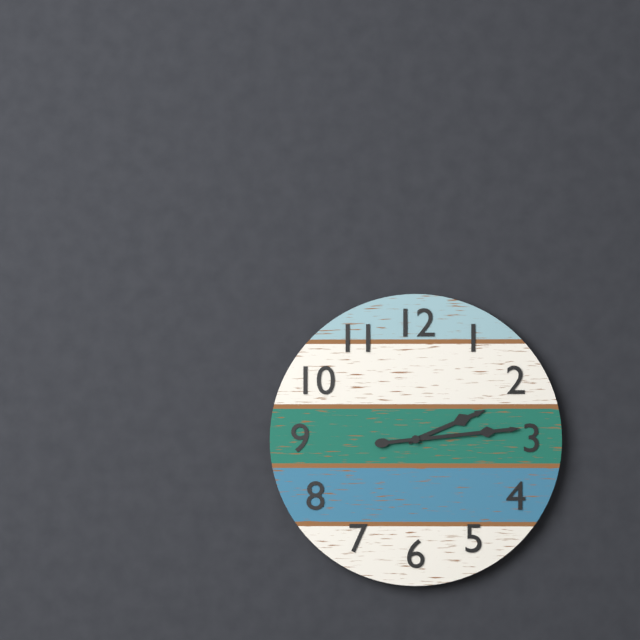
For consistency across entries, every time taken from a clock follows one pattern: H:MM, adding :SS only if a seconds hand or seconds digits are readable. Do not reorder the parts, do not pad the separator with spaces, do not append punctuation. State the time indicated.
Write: 2:14
